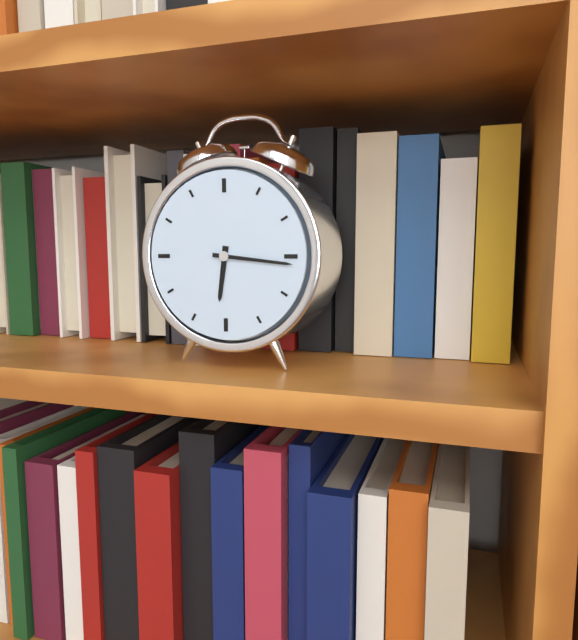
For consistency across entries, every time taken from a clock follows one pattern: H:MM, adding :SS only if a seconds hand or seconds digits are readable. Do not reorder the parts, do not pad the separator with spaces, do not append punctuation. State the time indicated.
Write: 6:16
